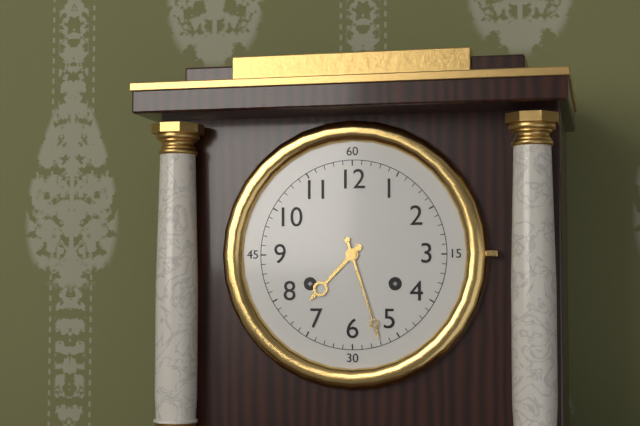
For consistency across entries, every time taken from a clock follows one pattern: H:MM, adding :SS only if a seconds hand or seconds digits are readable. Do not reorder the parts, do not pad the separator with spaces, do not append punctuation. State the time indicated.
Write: 7:27
